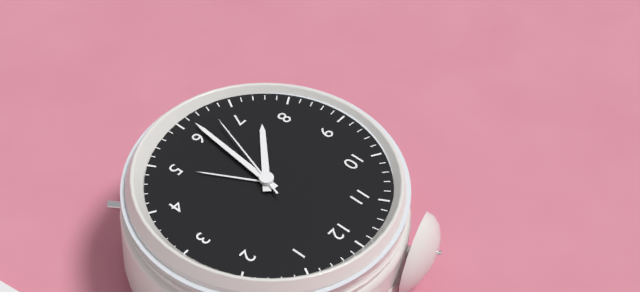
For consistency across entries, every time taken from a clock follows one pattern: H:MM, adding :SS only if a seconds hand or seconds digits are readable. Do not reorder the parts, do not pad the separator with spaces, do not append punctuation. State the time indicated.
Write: 7:31:33
